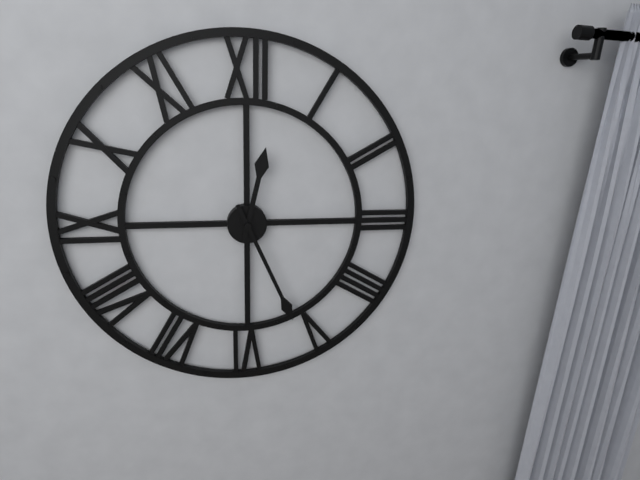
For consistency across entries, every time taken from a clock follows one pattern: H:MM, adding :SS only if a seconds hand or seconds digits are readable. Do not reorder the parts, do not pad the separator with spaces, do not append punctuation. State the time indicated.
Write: 12:26
